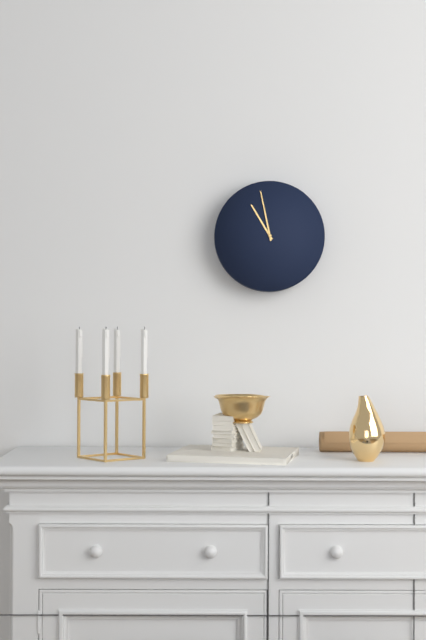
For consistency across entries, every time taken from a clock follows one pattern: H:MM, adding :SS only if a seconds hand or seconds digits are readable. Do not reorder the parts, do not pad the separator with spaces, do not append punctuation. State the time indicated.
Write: 10:58
